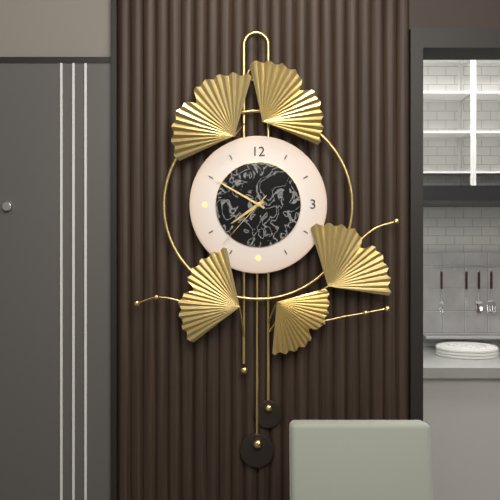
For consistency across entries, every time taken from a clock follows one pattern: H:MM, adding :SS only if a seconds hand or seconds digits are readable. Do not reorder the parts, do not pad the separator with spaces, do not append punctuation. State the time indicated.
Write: 7:50:37
